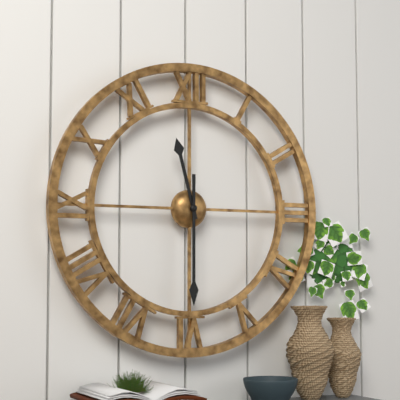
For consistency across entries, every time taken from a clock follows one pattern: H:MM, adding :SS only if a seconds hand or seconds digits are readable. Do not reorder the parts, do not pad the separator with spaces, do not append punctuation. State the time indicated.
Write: 11:30
